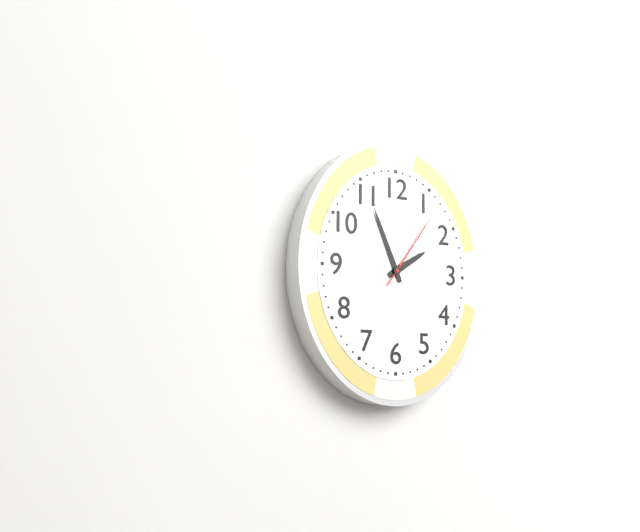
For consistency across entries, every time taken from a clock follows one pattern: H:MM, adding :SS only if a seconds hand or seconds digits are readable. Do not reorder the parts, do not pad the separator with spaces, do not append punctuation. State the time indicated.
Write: 1:56:06
